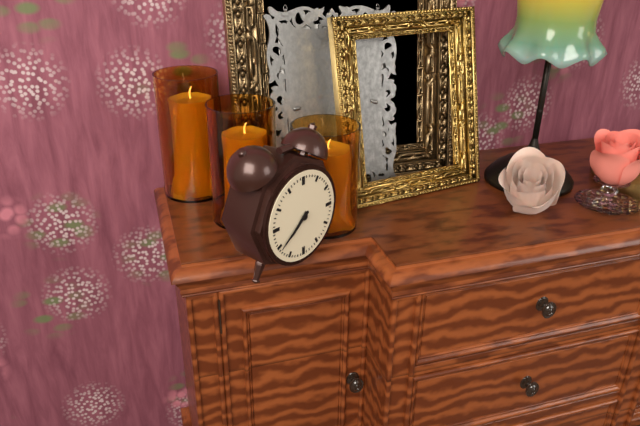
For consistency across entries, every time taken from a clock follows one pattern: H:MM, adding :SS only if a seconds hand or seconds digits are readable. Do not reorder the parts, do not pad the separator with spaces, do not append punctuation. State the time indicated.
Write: 7:39
